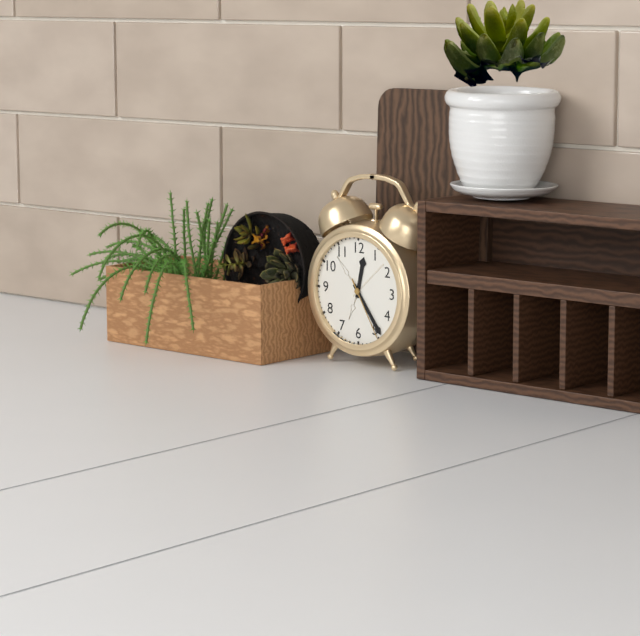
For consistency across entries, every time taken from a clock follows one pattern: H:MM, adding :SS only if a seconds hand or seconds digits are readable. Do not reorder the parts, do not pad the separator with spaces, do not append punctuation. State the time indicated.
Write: 12:24:25
